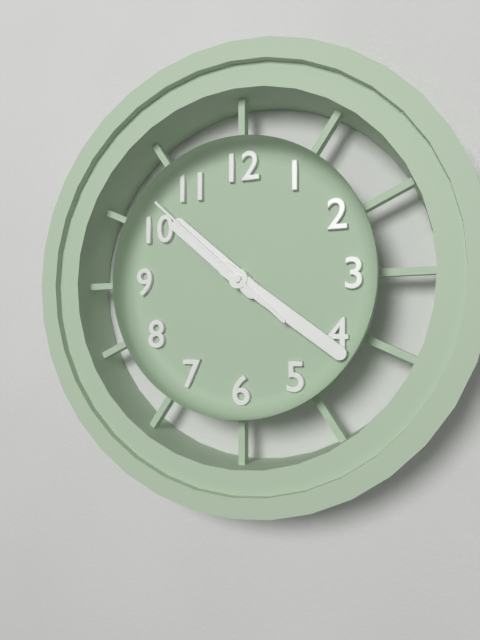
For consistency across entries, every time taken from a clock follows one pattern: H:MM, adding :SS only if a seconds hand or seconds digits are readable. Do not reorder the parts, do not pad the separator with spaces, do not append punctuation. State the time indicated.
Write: 10:21:52
